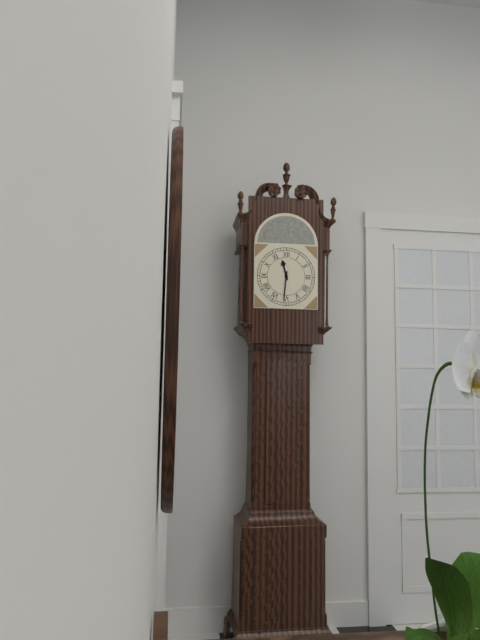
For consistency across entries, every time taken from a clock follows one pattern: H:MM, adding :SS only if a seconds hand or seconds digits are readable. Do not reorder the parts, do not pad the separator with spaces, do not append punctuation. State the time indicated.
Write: 11:31
